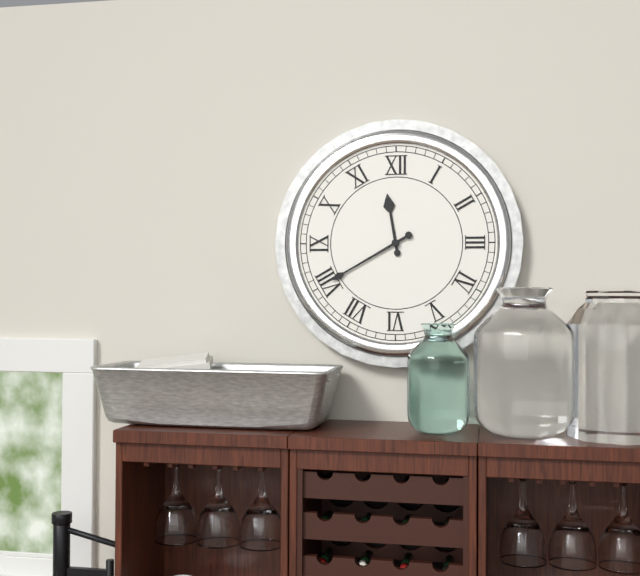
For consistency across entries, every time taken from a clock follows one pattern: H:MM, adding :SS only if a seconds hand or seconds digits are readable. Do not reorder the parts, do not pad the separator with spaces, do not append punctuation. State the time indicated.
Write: 11:40
